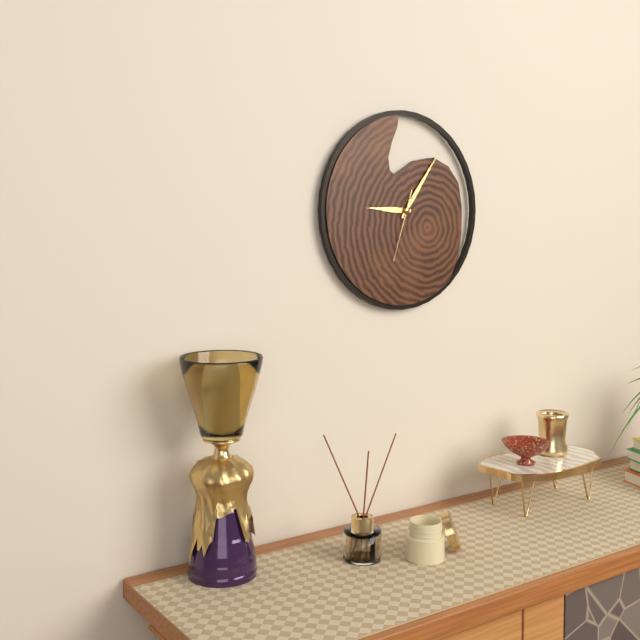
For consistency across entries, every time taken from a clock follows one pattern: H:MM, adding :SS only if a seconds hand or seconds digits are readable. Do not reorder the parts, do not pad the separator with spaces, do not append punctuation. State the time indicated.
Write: 9:06:33
